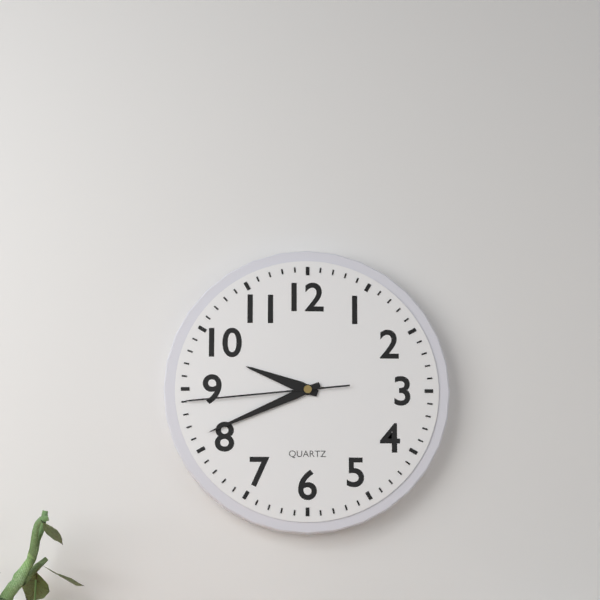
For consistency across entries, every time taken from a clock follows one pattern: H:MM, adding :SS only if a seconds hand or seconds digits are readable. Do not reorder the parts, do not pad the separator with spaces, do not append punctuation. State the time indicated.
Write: 9:41:44
